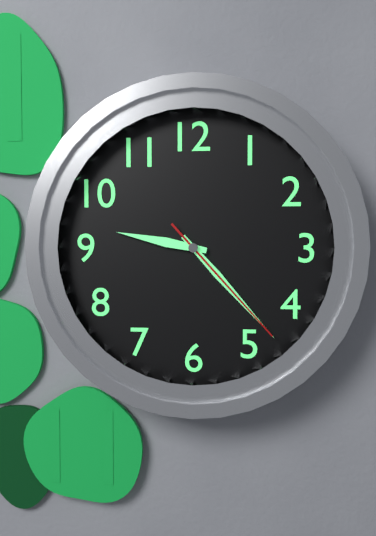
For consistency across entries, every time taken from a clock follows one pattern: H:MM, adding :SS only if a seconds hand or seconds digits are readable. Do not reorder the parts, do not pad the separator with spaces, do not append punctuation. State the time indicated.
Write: 9:23:23
